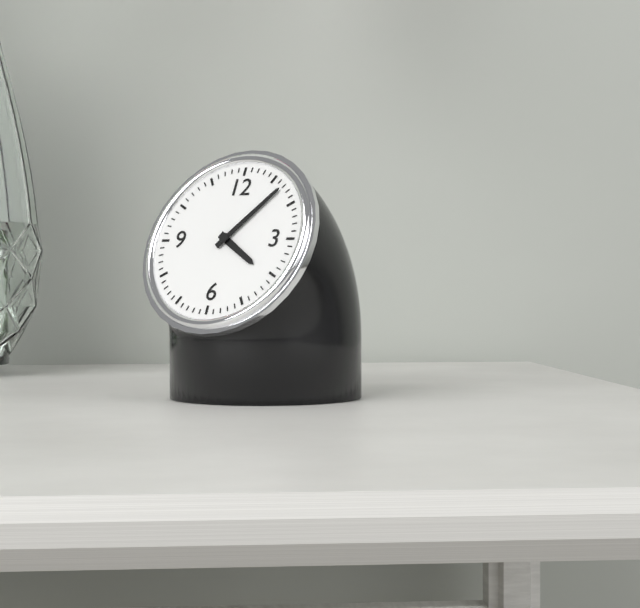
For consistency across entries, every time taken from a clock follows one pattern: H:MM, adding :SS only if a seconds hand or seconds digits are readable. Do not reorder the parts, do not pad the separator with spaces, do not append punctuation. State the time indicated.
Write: 4:07
